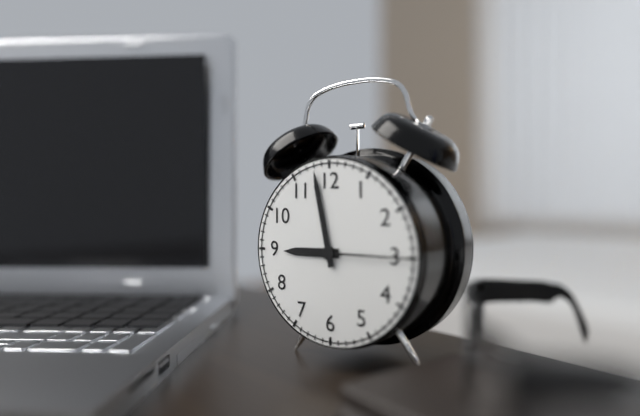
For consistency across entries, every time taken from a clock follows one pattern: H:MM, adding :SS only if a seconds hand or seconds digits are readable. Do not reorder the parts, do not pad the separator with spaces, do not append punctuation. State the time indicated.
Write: 8:58:15
